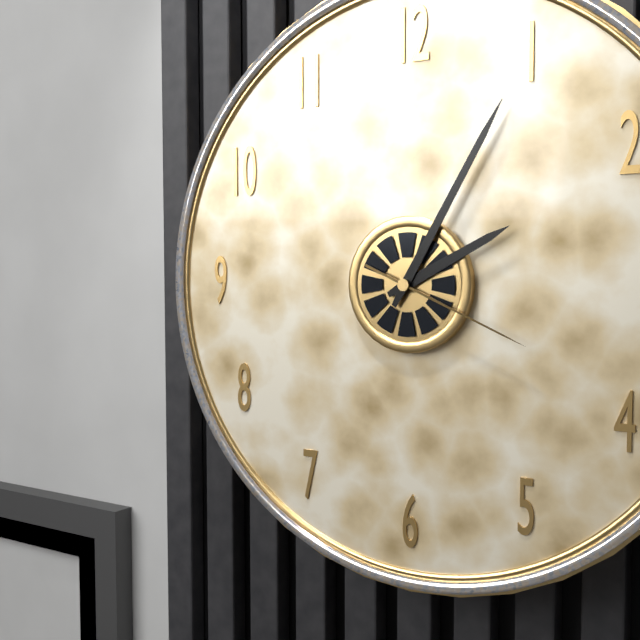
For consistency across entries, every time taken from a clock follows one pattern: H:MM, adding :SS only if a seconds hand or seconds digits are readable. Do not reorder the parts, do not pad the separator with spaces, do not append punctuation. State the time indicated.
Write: 2:05:19
